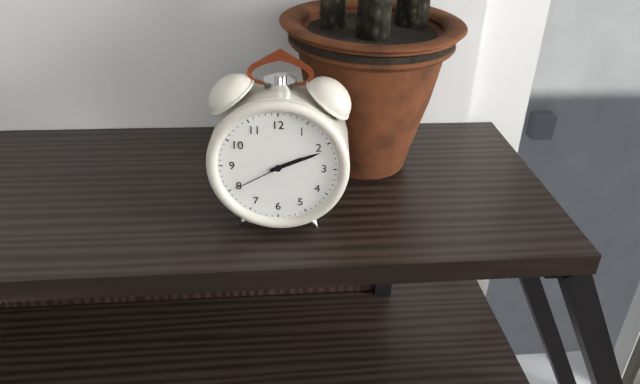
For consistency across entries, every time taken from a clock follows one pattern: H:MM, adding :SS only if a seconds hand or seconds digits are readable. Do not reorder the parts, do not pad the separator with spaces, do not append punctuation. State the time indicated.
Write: 2:11:40
